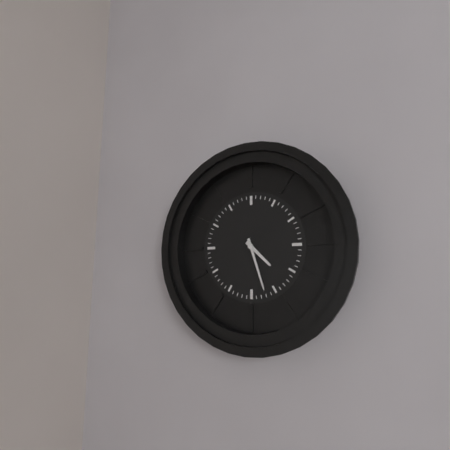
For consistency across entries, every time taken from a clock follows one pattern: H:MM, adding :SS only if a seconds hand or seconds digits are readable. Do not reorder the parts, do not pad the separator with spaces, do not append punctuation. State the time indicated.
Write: 4:27
